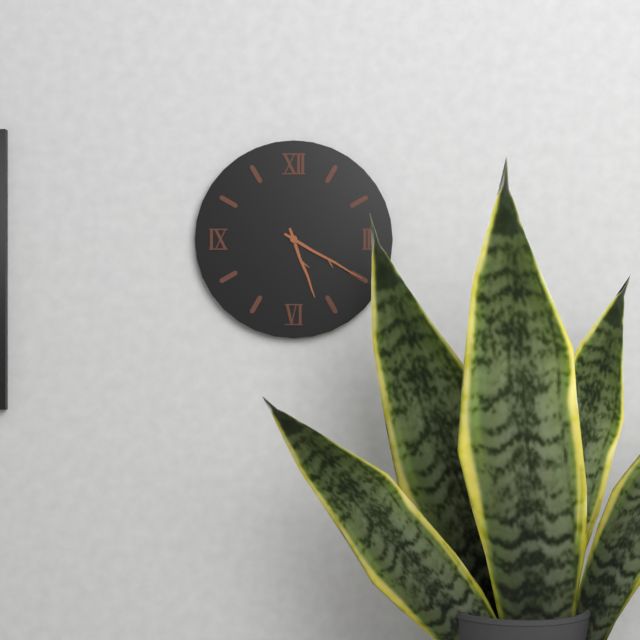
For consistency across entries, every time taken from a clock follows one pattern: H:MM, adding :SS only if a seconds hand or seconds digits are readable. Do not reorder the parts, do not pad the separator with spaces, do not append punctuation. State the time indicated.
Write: 5:20
